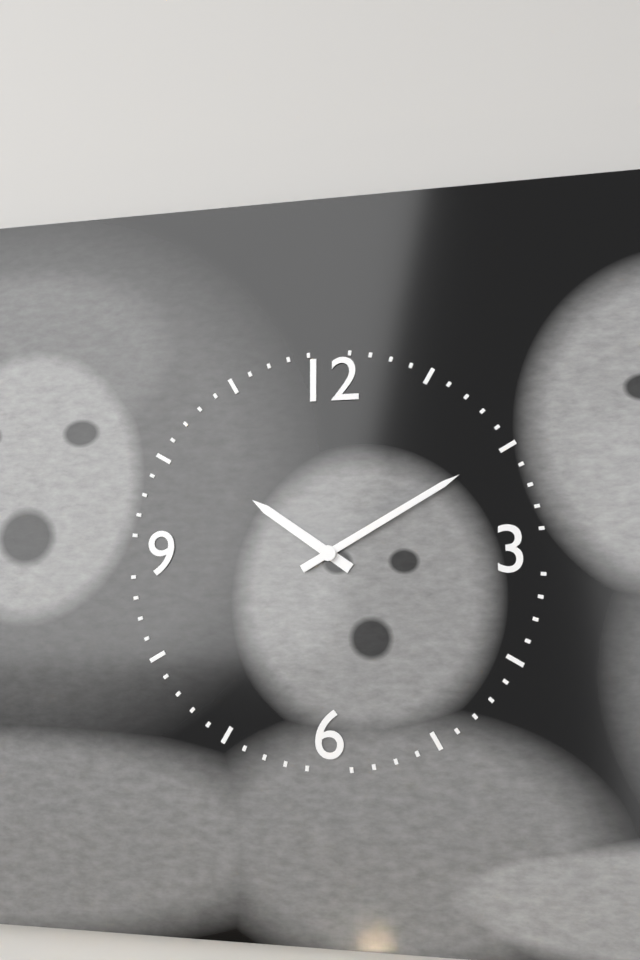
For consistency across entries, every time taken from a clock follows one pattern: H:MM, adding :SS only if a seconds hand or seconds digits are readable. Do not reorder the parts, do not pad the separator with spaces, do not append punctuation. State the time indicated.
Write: 10:10
